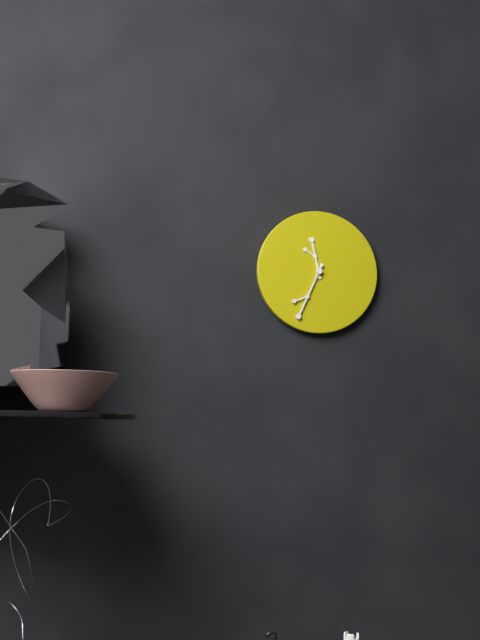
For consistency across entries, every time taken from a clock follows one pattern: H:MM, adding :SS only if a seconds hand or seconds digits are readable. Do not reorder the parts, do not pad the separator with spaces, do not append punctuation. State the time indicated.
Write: 11:34
